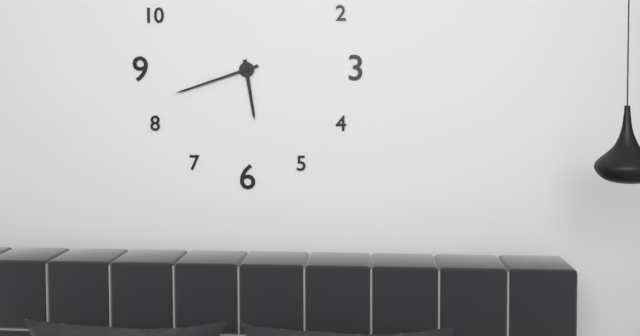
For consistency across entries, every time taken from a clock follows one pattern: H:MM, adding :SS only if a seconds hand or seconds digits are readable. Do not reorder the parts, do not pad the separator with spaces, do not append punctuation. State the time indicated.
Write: 5:42
